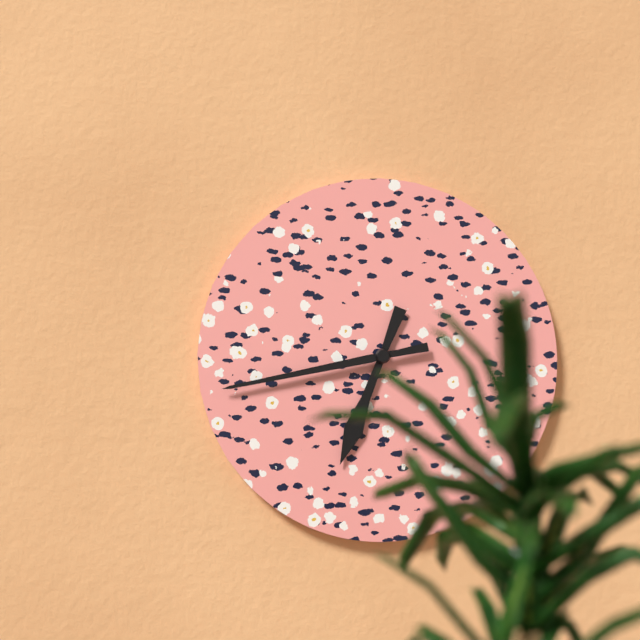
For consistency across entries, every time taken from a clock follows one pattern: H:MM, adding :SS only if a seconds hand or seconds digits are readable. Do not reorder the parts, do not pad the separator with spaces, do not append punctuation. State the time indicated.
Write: 6:43
